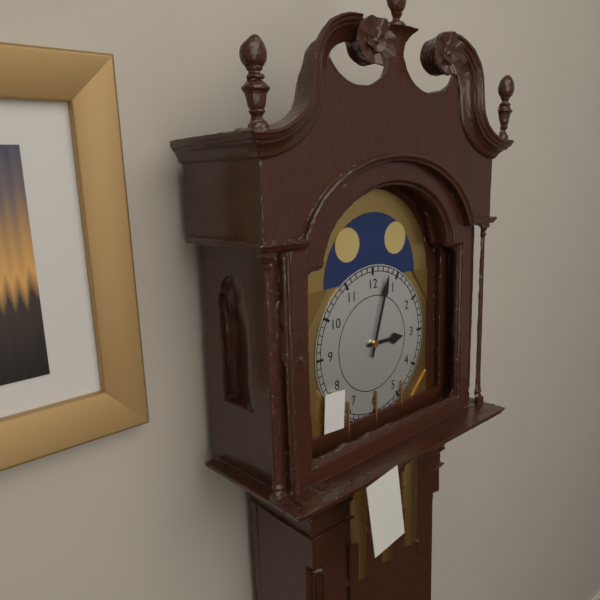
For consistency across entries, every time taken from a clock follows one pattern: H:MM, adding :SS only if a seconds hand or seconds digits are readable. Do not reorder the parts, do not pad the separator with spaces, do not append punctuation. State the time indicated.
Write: 3:03
